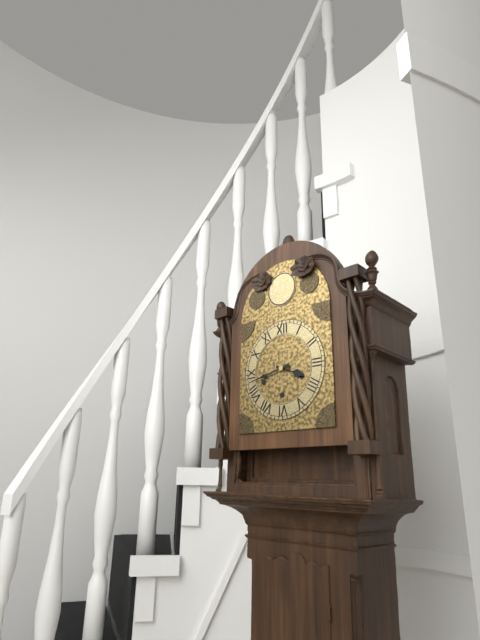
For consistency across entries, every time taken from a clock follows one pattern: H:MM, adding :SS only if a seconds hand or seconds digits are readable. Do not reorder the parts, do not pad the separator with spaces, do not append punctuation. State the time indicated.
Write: 3:43
